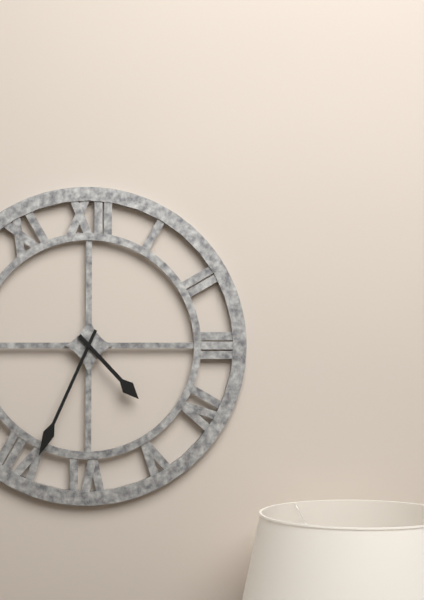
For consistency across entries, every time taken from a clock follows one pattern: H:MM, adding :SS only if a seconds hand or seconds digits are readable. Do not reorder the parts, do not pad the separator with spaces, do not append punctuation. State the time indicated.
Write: 4:34
